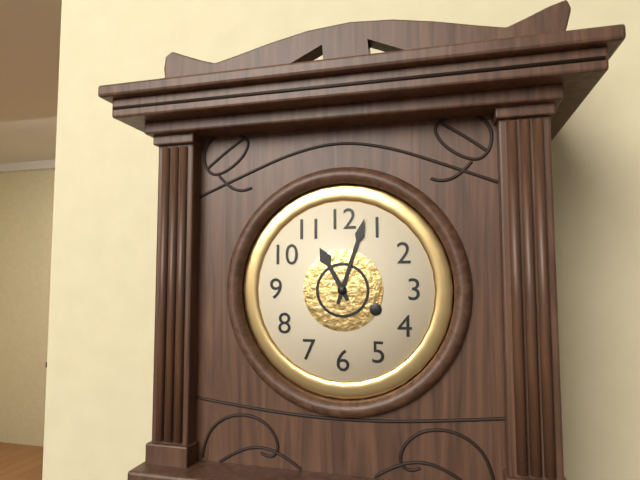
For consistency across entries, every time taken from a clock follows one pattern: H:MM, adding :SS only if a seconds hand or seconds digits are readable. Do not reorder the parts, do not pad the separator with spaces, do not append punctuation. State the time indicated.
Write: 11:03
